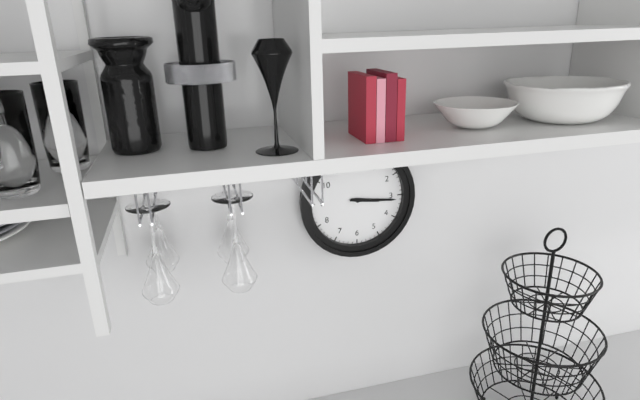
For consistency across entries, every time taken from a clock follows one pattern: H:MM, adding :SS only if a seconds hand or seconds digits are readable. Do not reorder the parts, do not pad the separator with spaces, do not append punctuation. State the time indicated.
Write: 3:16
